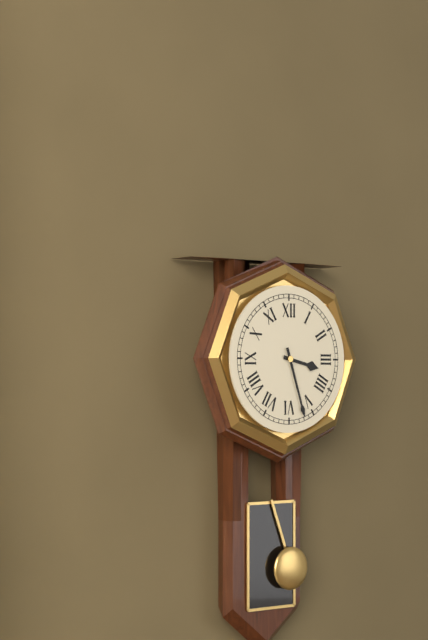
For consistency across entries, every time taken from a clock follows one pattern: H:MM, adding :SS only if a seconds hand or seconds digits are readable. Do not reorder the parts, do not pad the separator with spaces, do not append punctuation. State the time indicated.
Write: 3:27
